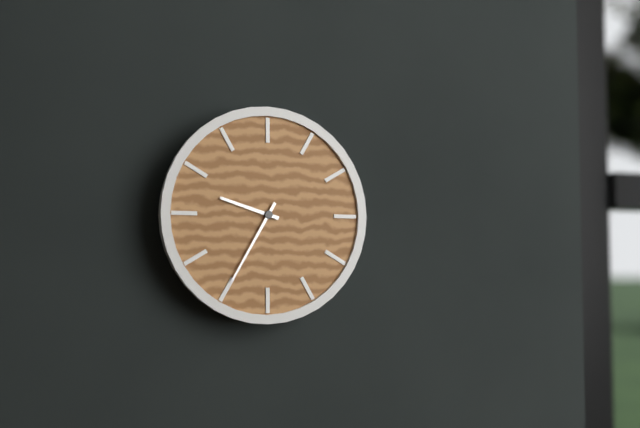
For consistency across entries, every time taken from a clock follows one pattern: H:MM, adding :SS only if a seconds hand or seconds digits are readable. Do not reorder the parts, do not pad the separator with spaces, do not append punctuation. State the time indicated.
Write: 9:35
